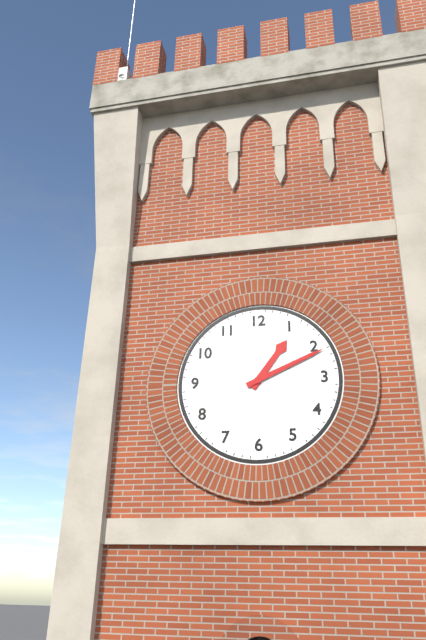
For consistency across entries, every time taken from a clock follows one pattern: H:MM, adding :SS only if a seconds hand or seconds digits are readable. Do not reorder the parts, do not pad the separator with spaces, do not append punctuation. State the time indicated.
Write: 1:11
